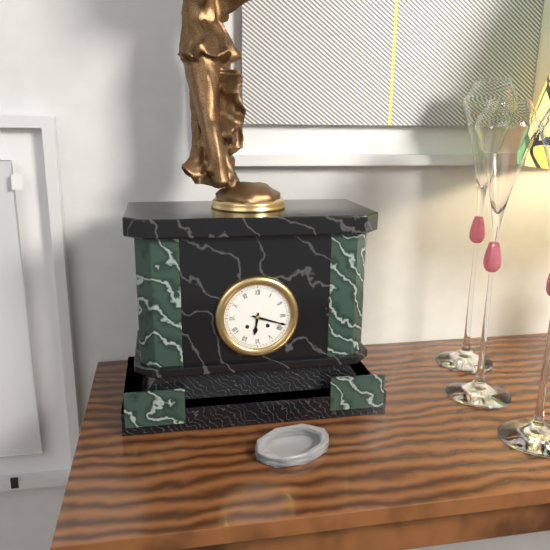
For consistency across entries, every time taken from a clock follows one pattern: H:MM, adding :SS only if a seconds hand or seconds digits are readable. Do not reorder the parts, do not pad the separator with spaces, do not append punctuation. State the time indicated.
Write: 6:18
